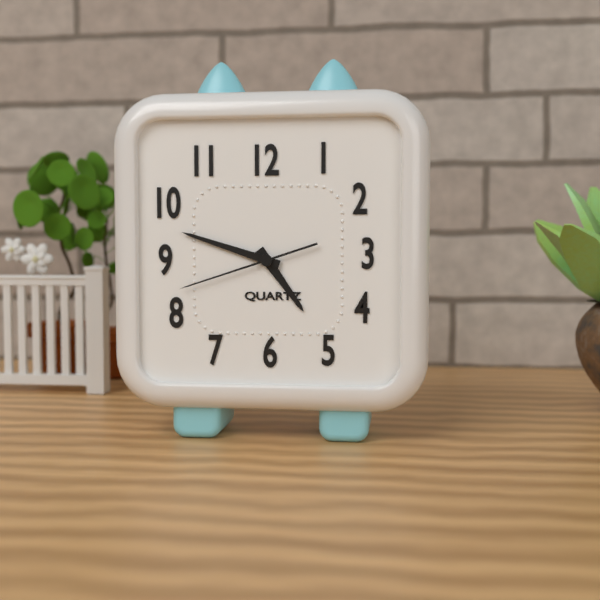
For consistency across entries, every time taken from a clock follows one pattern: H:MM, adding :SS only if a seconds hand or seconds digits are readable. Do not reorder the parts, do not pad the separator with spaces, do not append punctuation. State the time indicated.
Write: 4:48:42
